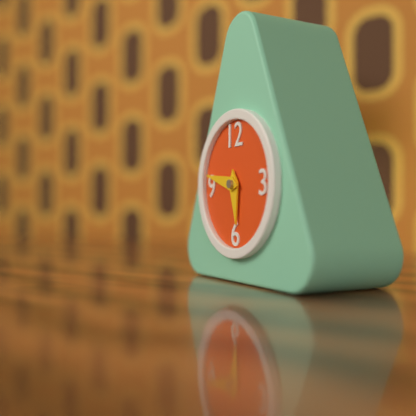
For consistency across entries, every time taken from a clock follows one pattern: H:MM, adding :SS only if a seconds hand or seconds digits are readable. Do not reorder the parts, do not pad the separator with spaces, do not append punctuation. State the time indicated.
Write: 5:47
